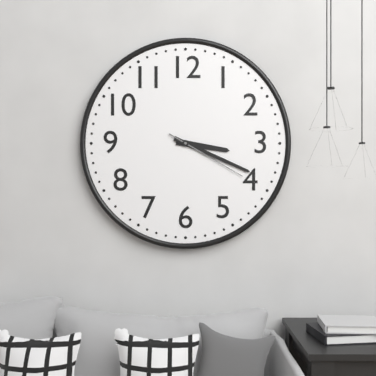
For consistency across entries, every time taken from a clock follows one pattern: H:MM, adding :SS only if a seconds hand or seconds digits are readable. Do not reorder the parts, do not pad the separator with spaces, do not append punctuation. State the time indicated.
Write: 3:19:20
